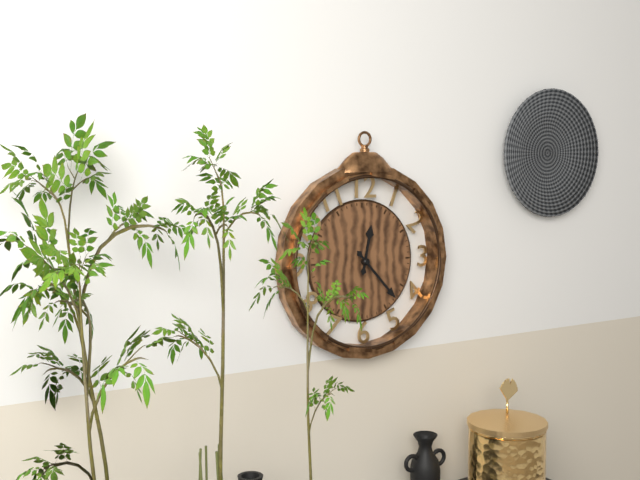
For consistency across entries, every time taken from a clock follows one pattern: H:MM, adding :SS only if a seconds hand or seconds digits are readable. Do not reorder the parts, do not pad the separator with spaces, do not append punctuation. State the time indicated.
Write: 12:23
